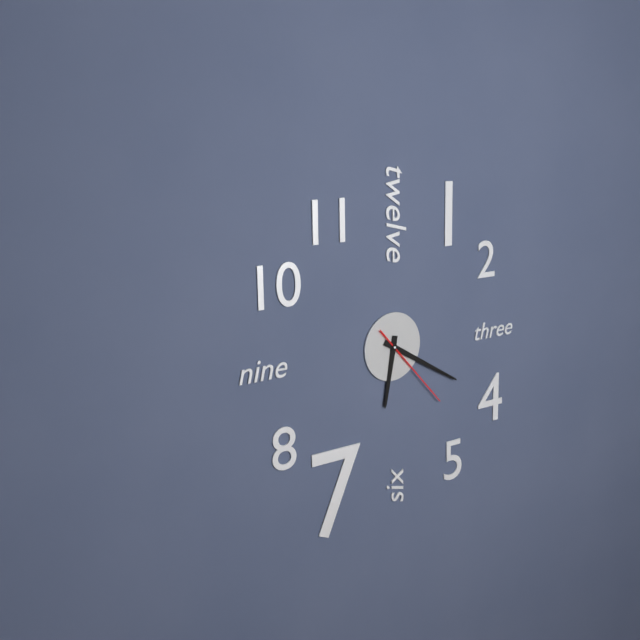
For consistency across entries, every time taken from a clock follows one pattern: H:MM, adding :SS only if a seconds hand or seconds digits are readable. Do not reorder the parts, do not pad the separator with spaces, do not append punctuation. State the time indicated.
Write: 6:20:23
